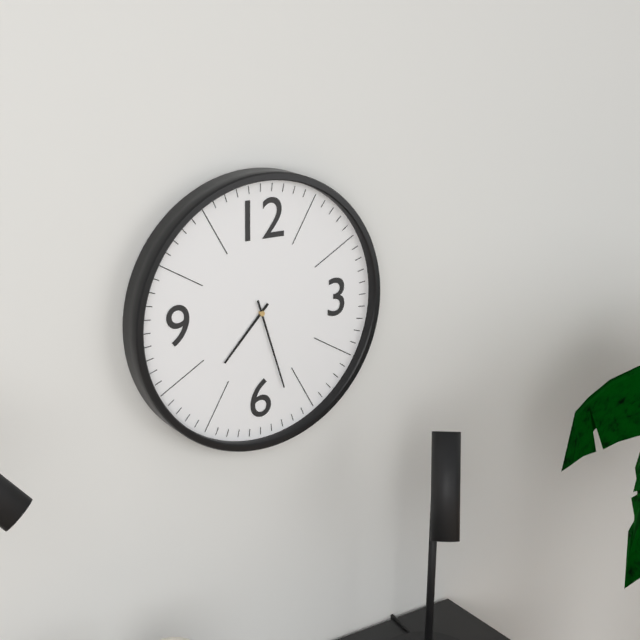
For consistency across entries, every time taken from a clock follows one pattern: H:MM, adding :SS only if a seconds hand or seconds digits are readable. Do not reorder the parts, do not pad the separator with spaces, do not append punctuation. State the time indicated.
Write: 7:27
